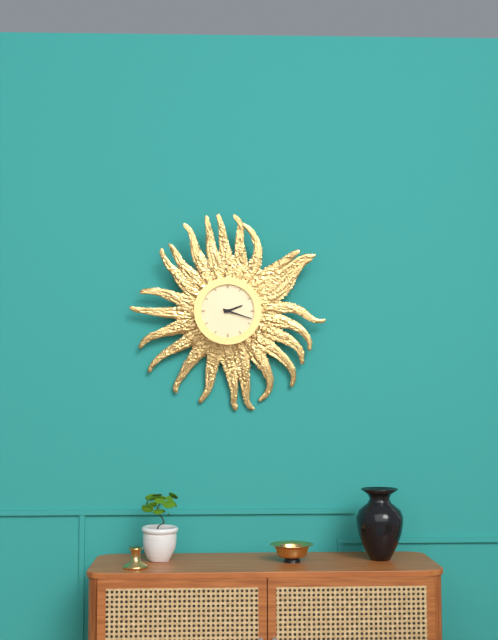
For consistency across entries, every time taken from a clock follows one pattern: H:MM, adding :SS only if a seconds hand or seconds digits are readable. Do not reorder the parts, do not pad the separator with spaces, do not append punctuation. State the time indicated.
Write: 2:18
